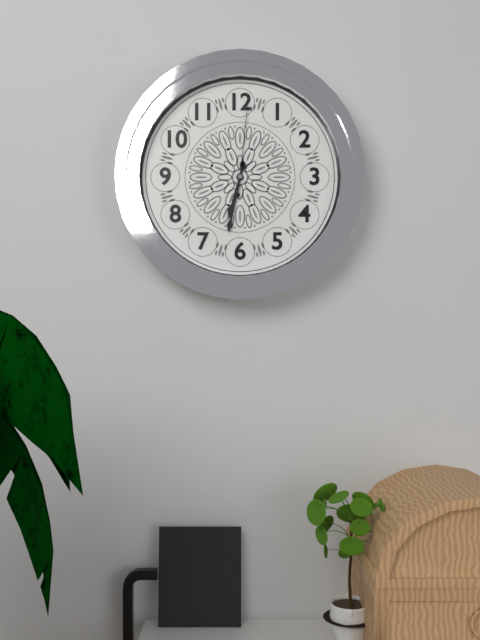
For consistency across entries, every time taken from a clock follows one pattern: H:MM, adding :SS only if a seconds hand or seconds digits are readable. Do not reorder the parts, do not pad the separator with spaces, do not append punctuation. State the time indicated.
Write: 6:32:01
